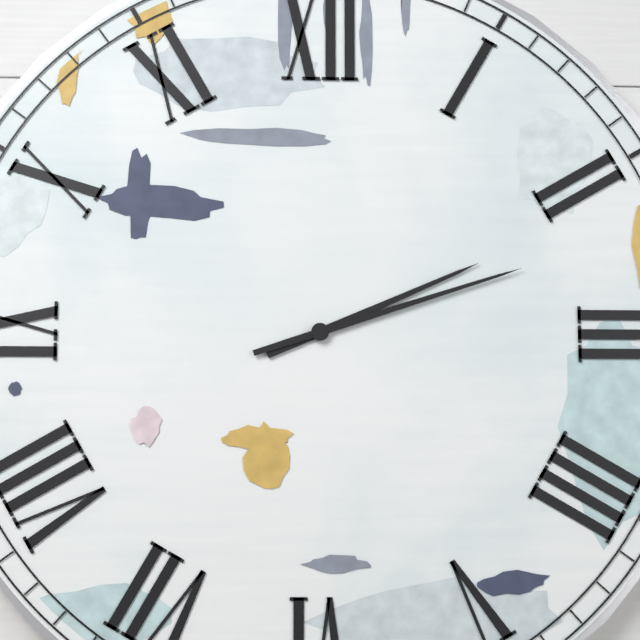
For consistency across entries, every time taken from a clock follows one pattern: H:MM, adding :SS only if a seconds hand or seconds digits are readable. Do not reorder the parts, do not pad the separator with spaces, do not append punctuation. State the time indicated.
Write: 2:12
